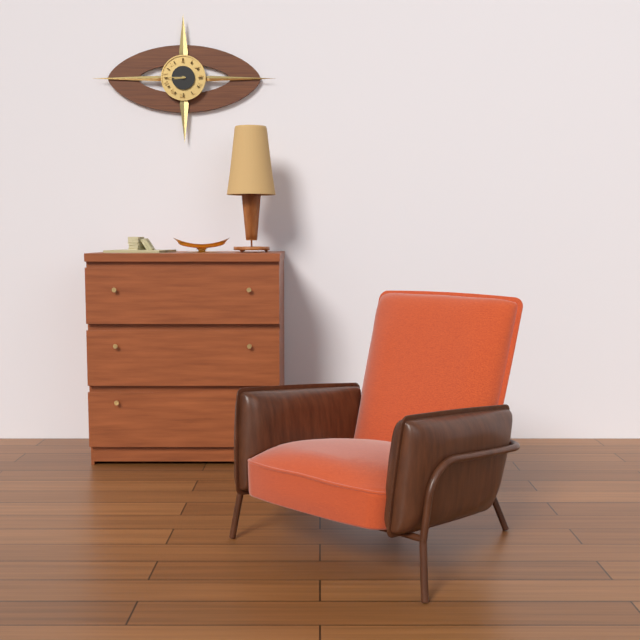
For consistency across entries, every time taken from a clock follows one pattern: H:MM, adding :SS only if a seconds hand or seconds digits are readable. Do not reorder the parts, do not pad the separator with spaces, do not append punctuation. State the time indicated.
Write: 8:45
